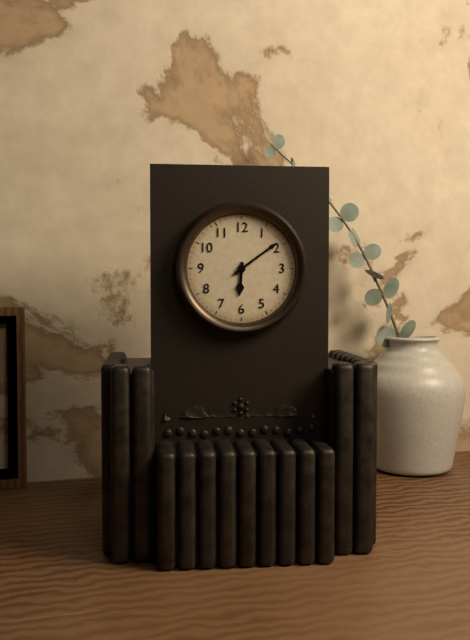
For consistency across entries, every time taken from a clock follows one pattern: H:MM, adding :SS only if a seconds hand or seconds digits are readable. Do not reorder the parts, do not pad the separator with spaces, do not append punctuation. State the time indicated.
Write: 6:09
